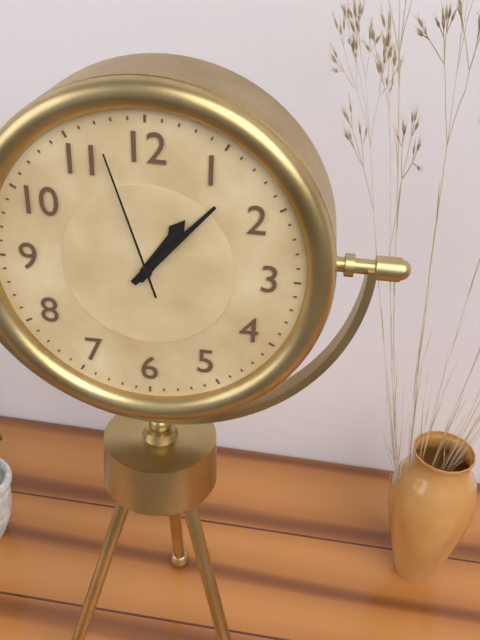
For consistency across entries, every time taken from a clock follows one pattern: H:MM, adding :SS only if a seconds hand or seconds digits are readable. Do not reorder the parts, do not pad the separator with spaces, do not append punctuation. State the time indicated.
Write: 1:07:57
